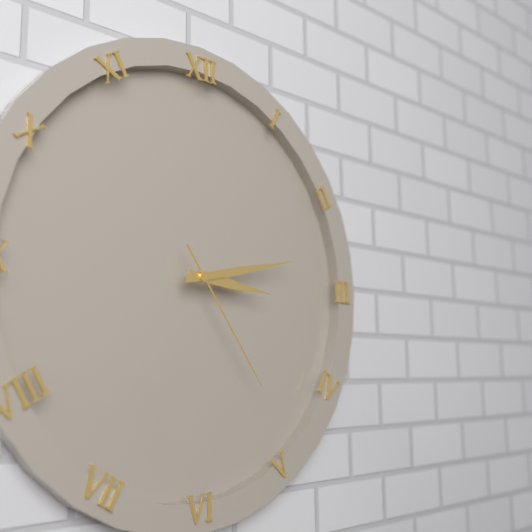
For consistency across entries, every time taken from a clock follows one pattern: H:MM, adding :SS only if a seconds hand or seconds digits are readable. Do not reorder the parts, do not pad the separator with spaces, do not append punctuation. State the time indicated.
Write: 3:13:24
